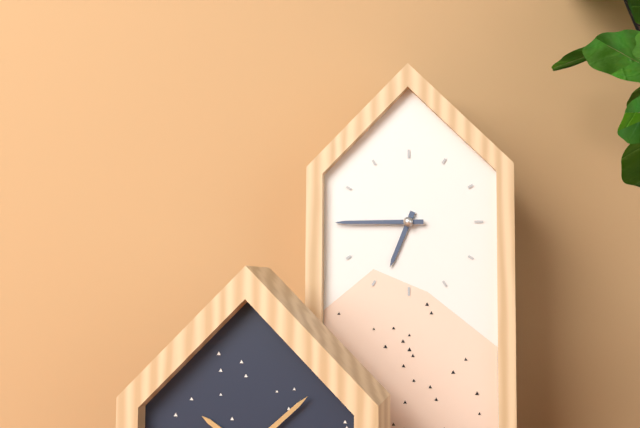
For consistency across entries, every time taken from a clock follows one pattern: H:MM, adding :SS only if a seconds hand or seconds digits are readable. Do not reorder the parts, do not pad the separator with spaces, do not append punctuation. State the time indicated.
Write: 6:45
